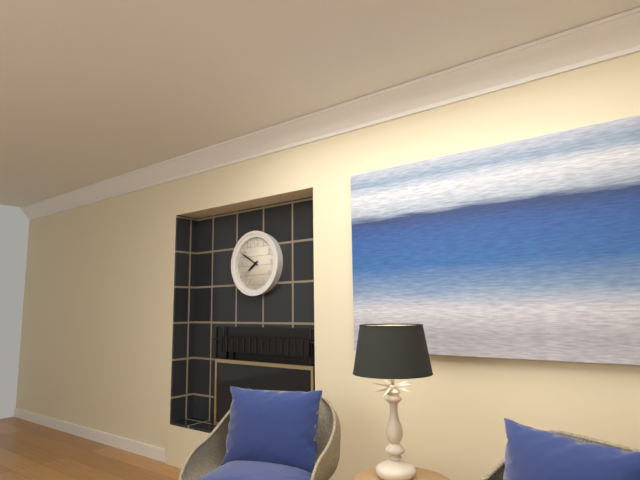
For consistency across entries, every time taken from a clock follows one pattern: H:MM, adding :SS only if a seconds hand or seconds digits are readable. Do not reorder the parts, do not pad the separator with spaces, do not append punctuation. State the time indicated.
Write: 7:50
